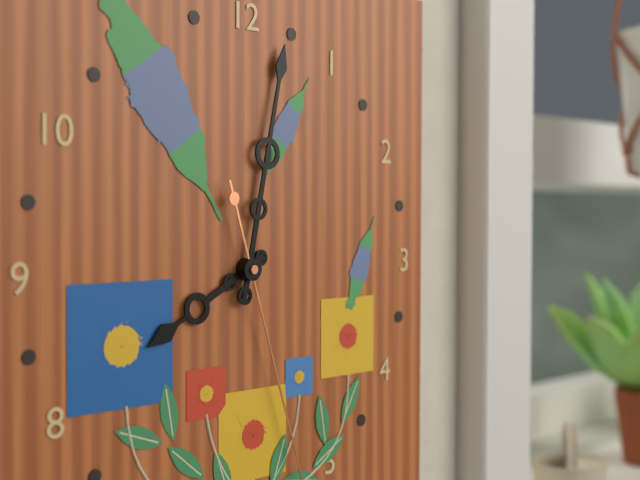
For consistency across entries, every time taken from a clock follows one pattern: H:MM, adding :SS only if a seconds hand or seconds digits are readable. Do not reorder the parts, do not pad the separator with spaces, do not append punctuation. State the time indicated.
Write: 8:02
